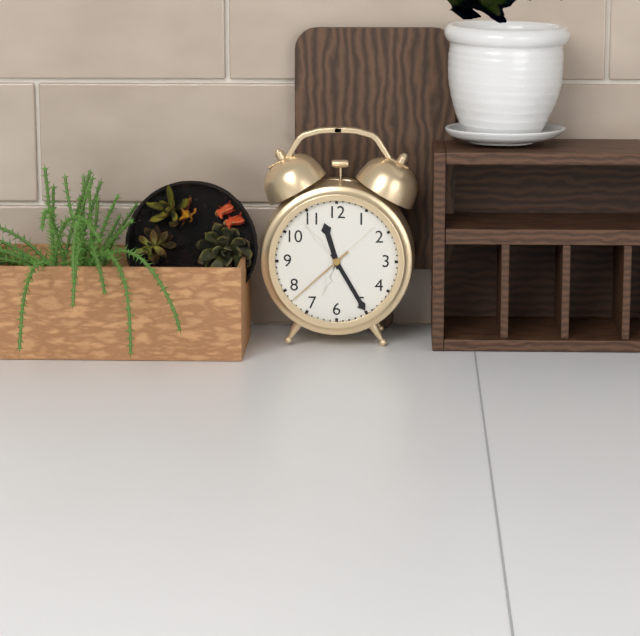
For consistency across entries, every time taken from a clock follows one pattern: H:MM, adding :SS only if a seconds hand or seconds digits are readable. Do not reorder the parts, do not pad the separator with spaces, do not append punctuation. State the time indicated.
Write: 11:25:38
